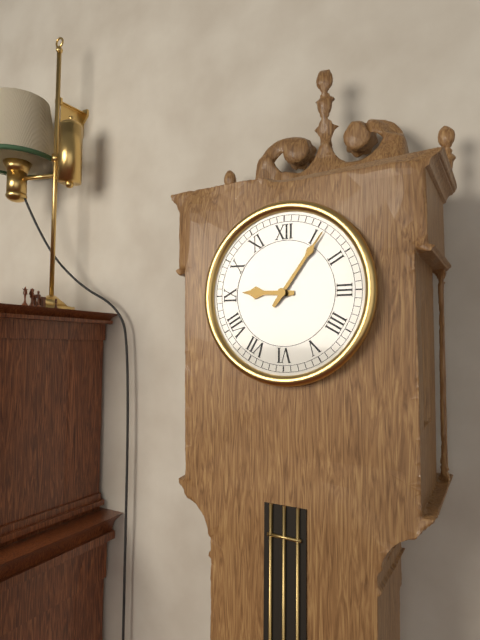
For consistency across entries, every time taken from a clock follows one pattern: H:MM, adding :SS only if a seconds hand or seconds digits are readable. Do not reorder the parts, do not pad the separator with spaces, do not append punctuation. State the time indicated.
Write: 9:06
